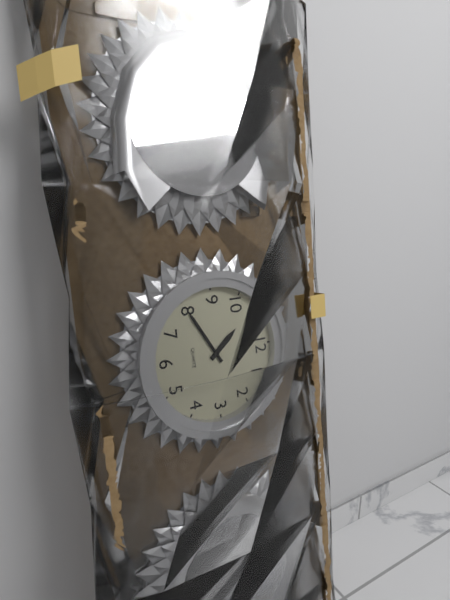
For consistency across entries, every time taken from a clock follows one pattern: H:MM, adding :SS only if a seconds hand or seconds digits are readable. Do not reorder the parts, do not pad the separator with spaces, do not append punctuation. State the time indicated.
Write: 10:40
